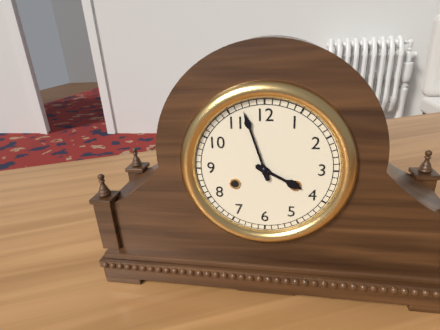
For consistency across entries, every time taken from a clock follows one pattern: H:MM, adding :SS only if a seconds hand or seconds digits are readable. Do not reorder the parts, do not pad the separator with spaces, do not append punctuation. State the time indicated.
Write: 3:57
